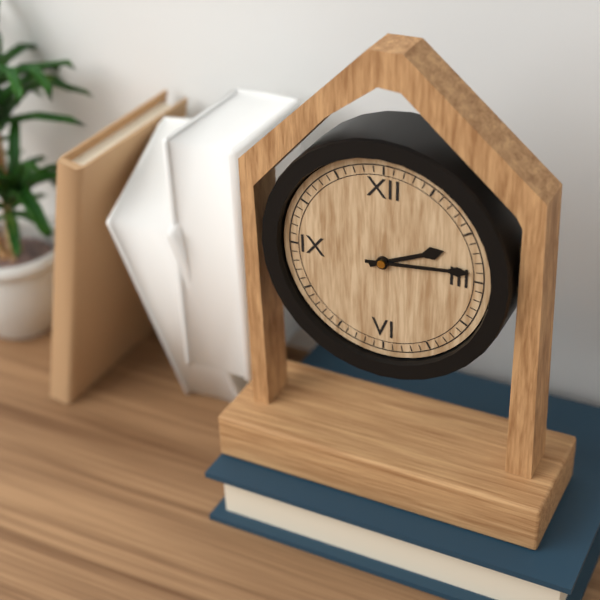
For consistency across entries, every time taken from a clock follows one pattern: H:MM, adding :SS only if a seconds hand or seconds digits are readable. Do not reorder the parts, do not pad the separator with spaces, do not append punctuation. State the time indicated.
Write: 2:14
